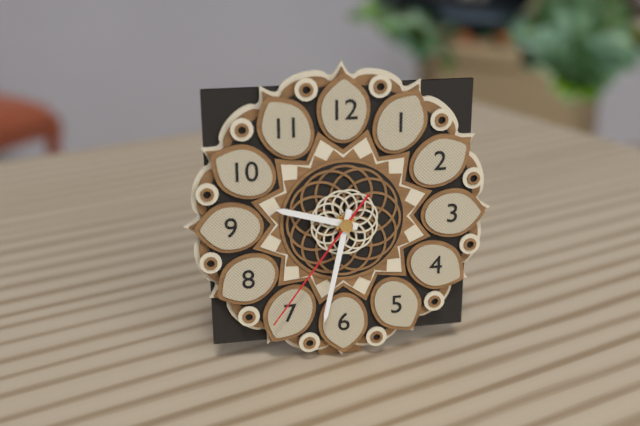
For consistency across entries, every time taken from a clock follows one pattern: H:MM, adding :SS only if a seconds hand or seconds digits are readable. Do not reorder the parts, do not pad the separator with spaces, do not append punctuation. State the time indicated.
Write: 9:32:36
